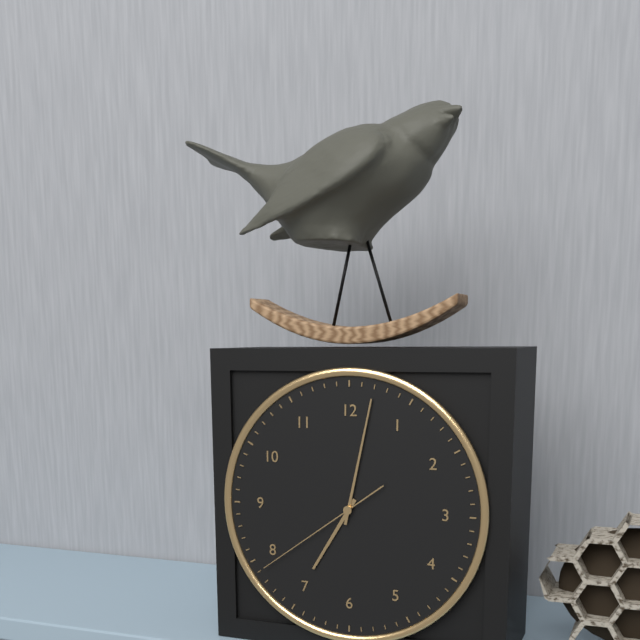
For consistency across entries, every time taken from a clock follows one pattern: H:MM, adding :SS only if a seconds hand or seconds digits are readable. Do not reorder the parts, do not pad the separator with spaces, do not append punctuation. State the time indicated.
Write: 7:02:39
